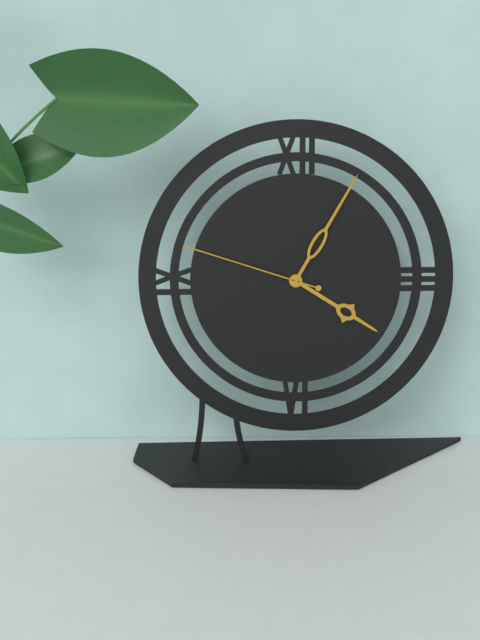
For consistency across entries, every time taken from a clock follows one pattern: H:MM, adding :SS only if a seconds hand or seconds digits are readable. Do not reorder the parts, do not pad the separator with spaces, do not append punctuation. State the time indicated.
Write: 4:05:48
